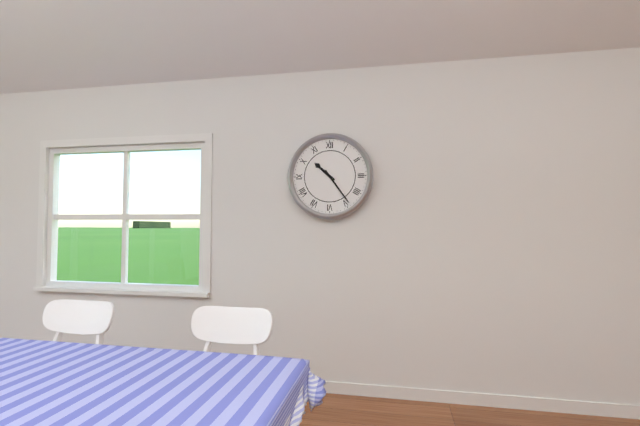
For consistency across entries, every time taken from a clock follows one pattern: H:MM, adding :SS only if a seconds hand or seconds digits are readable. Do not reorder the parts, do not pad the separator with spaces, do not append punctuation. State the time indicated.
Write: 10:24
